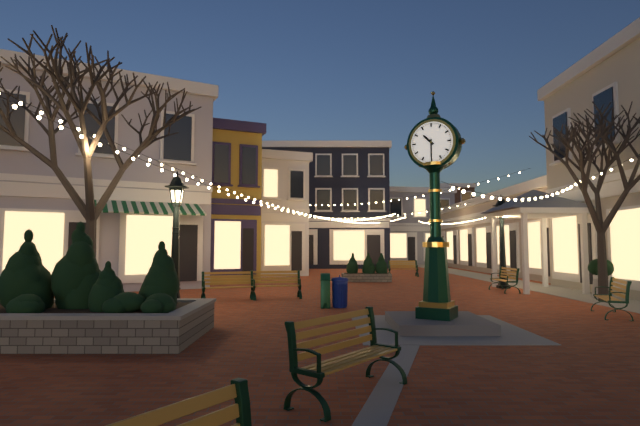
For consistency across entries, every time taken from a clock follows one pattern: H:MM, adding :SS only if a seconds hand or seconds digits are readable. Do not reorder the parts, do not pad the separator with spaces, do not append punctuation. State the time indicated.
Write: 10:30
